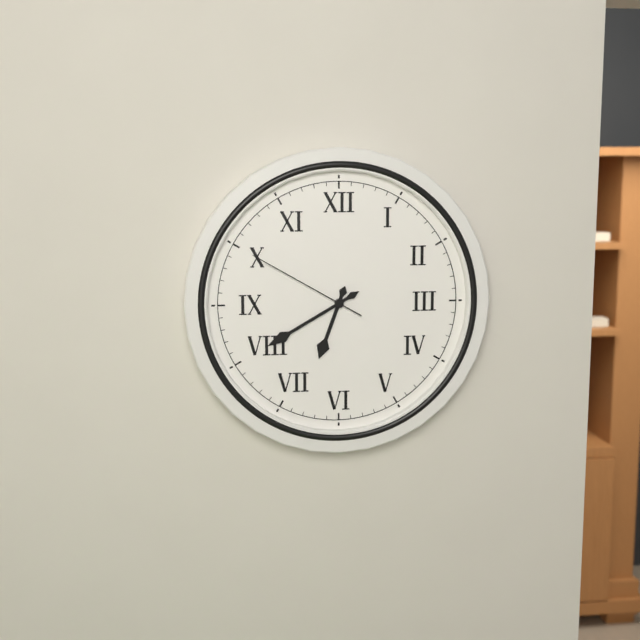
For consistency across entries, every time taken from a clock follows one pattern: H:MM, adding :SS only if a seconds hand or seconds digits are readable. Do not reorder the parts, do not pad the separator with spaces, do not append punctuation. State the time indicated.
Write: 6:40:50
